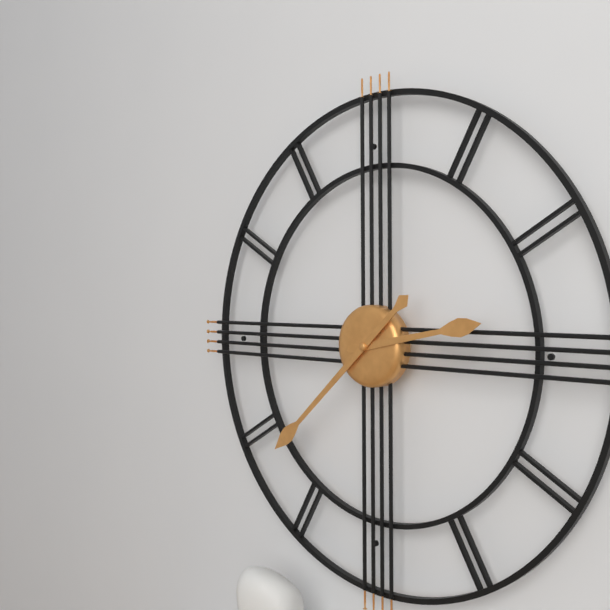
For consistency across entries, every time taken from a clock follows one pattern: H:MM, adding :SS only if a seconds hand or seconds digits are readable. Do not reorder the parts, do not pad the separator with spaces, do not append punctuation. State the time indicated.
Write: 2:38
